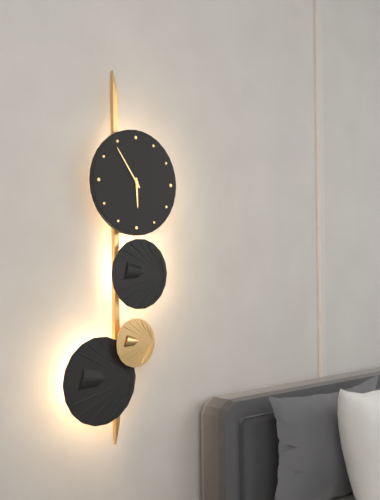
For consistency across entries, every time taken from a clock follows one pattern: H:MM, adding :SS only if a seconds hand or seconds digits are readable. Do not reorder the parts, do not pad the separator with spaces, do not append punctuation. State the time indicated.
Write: 5:54
